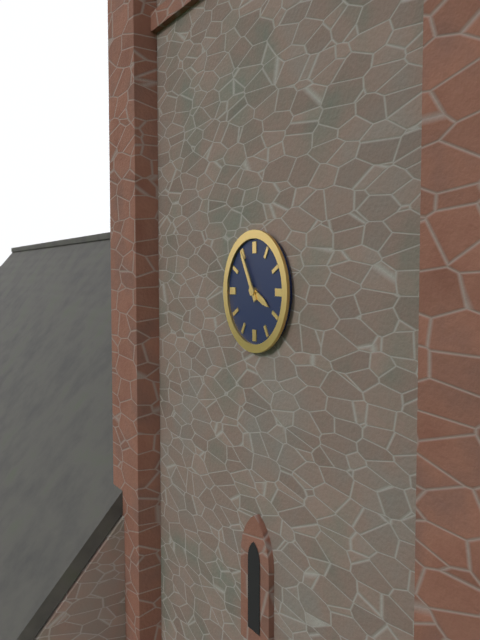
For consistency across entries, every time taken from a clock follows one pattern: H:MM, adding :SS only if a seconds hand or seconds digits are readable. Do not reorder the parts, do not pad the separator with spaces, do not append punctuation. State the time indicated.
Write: 3:55
